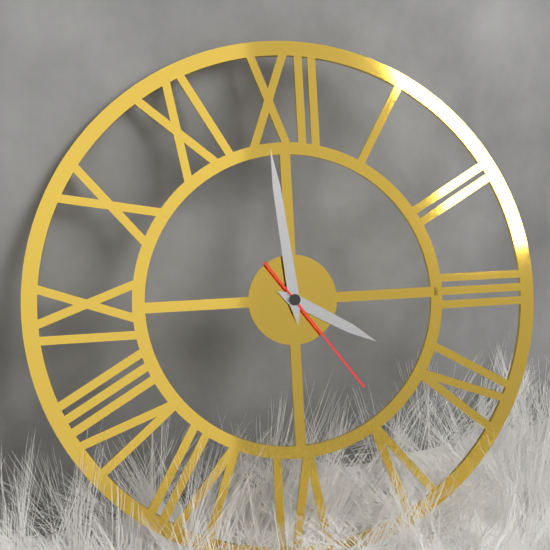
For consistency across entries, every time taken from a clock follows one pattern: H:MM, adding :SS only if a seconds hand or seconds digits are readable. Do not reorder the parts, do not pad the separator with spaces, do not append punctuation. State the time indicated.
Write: 3:59:24
